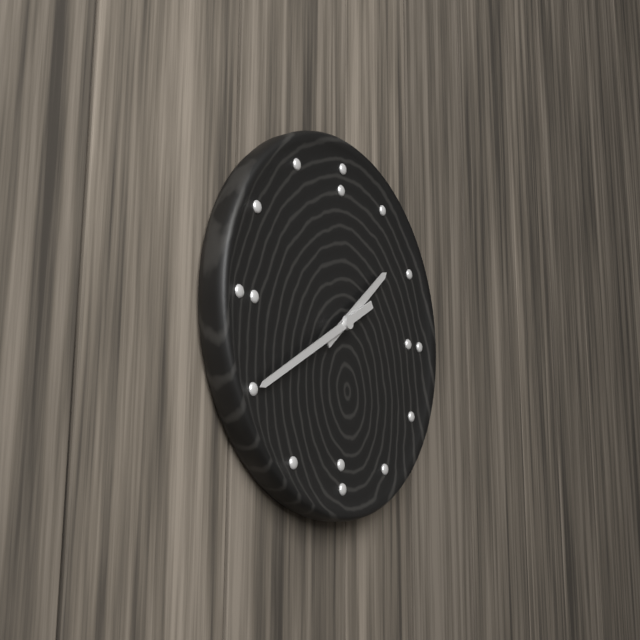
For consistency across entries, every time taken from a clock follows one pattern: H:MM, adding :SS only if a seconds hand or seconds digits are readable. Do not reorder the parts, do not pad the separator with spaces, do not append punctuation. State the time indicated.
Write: 1:40
